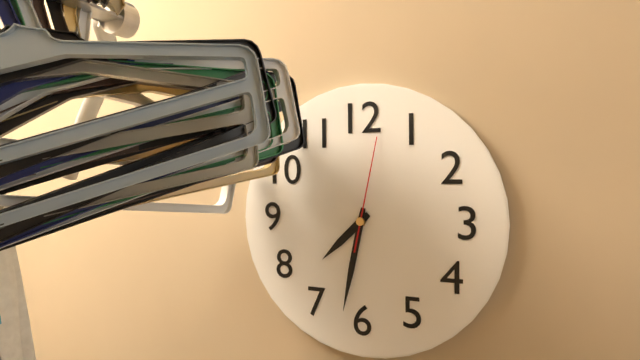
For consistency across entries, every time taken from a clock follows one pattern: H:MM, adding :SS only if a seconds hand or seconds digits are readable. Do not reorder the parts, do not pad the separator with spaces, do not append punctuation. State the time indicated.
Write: 7:32:02
